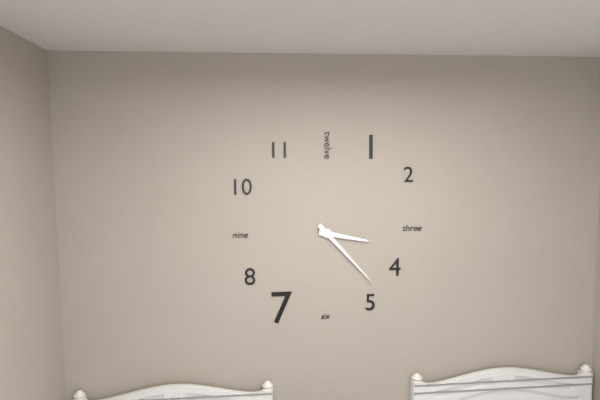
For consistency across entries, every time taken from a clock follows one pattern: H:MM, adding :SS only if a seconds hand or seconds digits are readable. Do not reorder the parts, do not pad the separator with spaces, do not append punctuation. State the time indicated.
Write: 3:23
